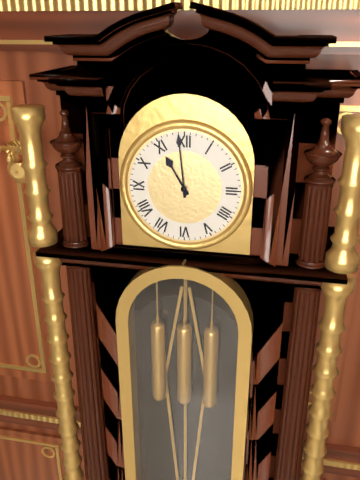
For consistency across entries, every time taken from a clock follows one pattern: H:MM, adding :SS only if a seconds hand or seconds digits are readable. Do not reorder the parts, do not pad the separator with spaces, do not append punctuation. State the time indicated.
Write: 10:59
